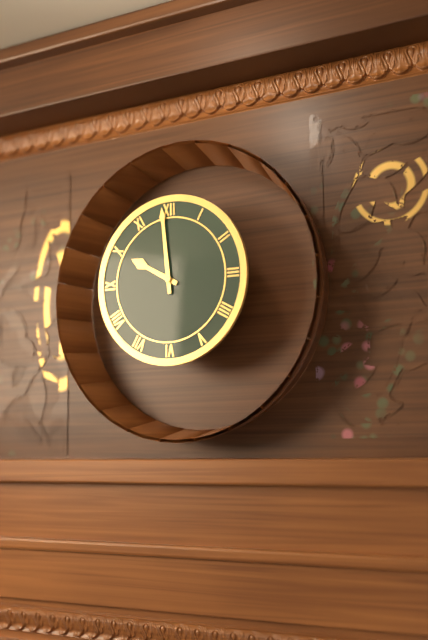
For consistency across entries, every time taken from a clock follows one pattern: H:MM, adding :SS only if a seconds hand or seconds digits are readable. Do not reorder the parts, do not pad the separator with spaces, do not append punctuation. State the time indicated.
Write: 9:59
